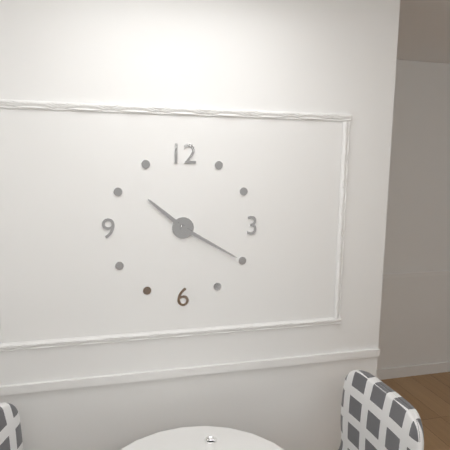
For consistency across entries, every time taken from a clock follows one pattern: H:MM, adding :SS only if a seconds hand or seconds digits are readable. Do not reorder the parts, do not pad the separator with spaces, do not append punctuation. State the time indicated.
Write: 10:20
